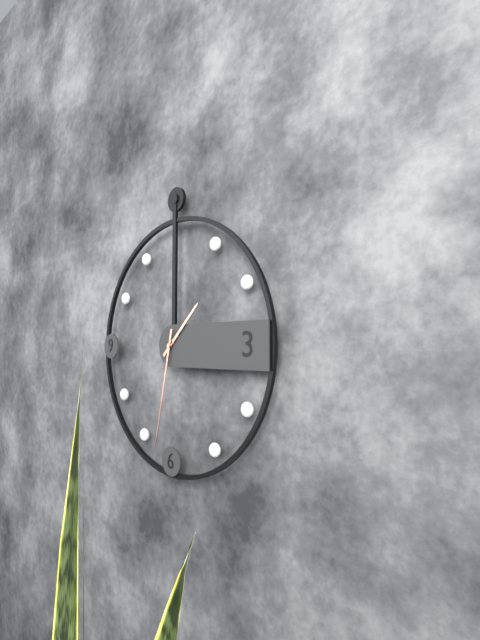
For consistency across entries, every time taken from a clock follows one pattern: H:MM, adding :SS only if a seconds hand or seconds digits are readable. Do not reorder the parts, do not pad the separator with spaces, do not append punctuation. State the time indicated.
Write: 1:32
